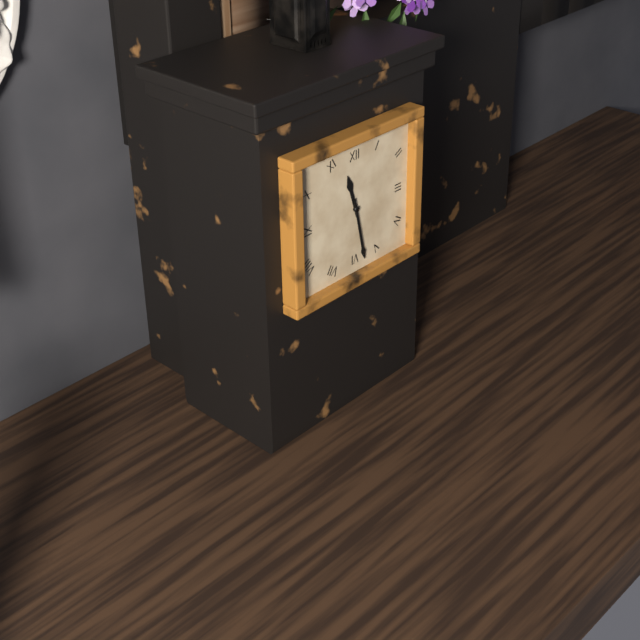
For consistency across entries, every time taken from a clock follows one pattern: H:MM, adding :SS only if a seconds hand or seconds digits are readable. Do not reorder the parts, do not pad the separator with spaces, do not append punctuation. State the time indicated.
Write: 11:28
